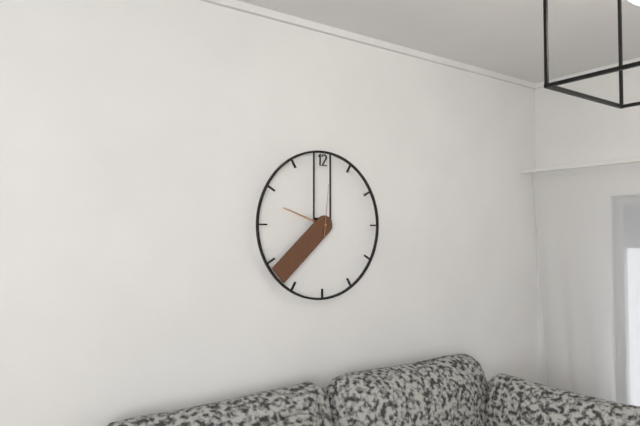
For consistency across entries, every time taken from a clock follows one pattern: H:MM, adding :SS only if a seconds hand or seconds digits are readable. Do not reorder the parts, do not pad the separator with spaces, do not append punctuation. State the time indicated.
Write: 9:38:01
